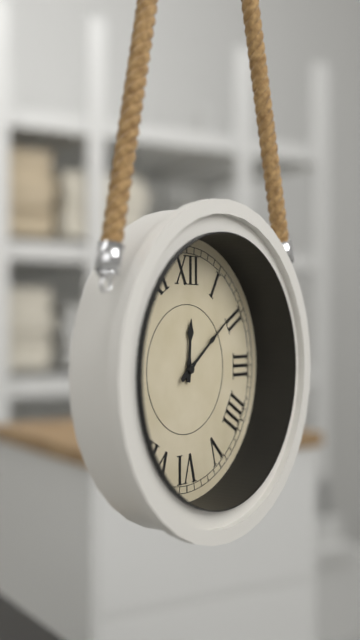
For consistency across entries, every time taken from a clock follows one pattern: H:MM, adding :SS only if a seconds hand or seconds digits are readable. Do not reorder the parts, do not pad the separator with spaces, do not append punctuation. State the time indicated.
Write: 12:09
